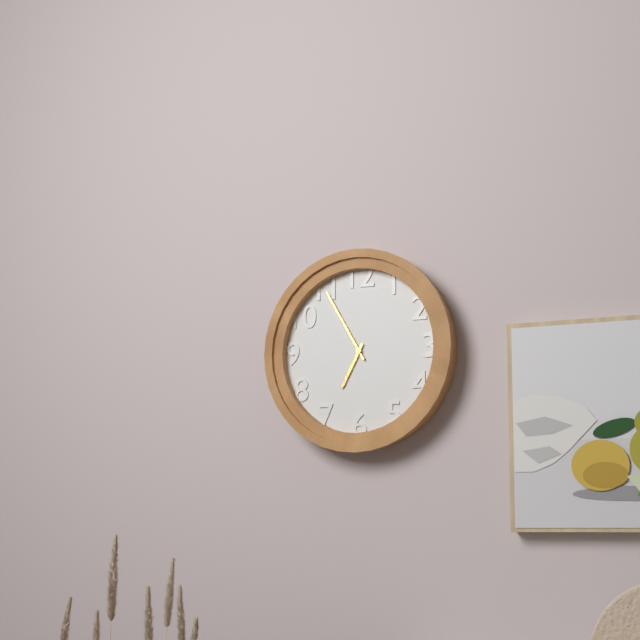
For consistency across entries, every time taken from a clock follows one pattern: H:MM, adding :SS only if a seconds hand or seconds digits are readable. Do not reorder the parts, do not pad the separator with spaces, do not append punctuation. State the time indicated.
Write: 6:55
